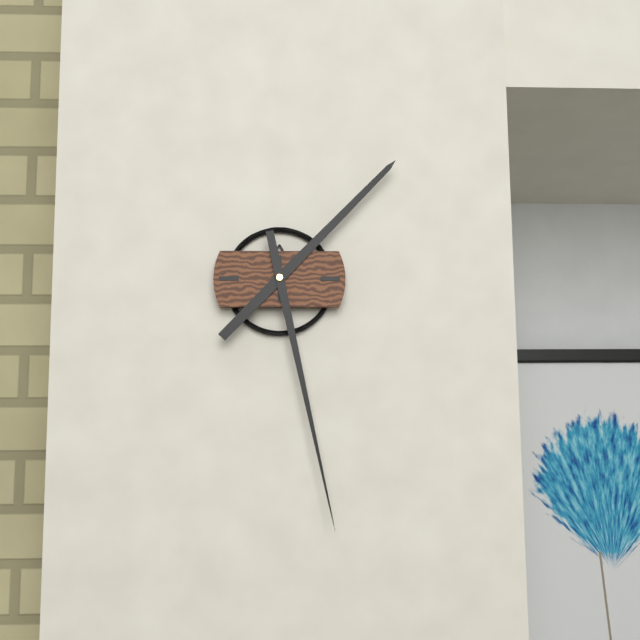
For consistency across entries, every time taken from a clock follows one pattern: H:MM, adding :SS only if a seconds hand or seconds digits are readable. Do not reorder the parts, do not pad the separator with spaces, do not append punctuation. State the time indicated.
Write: 1:28
